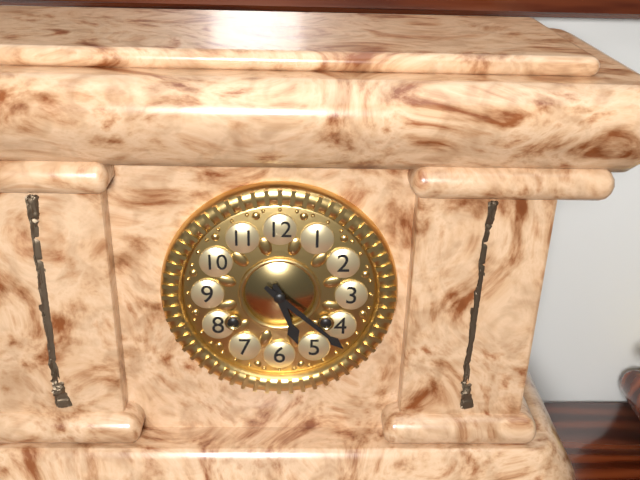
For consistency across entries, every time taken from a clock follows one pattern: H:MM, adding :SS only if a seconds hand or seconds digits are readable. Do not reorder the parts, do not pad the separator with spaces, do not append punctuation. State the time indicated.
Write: 5:22
